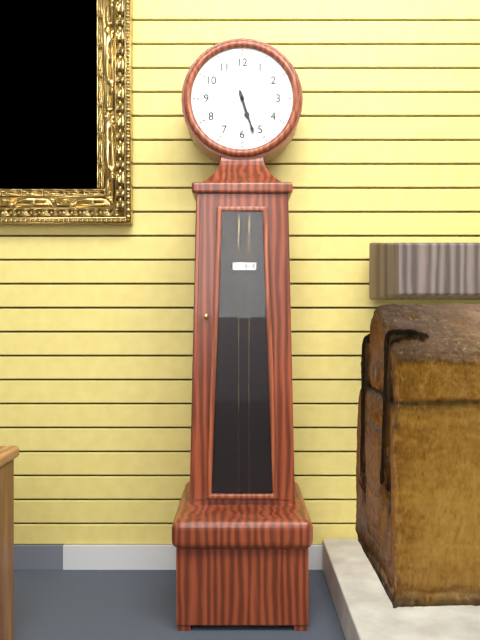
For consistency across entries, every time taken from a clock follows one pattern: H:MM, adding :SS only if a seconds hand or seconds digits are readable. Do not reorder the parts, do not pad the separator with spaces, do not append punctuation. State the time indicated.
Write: 5:27
